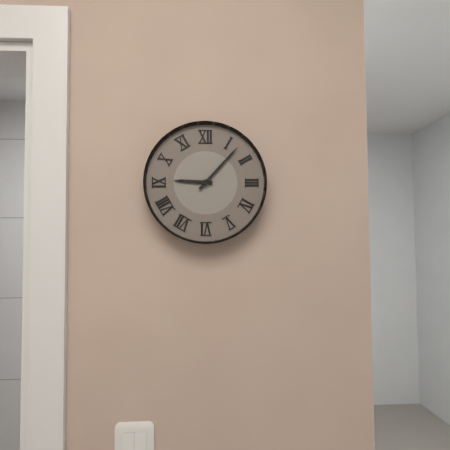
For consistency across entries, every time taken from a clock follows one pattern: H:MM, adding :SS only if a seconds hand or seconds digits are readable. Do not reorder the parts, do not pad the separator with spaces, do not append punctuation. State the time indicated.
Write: 9:07
